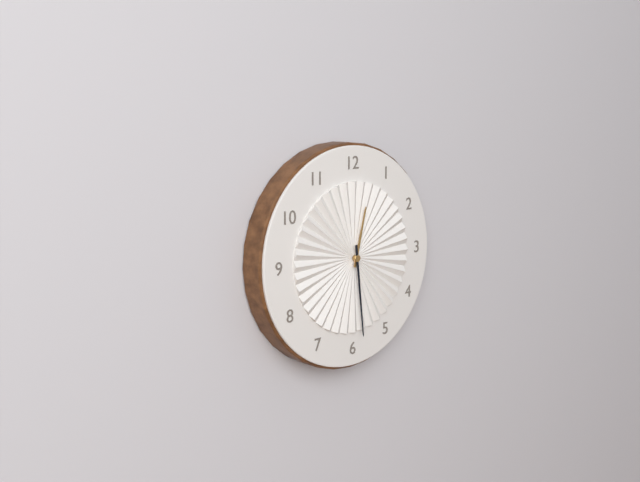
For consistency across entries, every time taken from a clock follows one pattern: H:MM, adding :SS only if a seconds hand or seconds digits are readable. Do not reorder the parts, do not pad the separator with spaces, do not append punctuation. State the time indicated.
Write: 12:29
